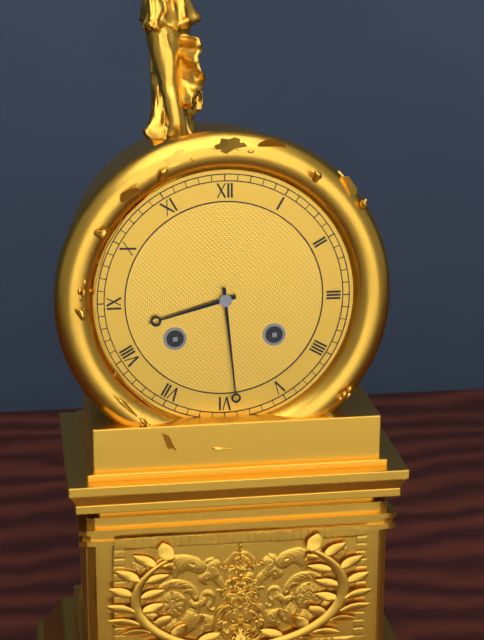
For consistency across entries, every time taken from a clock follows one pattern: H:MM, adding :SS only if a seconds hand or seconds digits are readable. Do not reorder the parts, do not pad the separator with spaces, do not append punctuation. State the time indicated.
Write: 8:29
